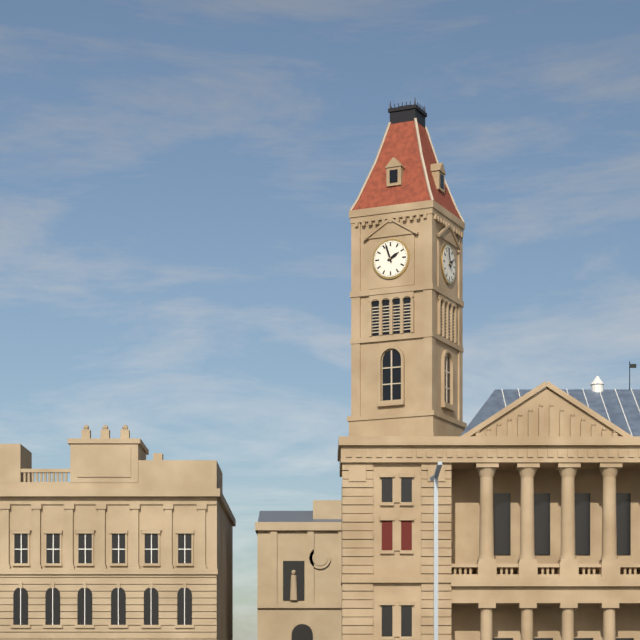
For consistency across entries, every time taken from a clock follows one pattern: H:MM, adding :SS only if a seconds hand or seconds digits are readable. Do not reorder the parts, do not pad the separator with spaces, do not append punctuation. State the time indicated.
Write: 1:57
